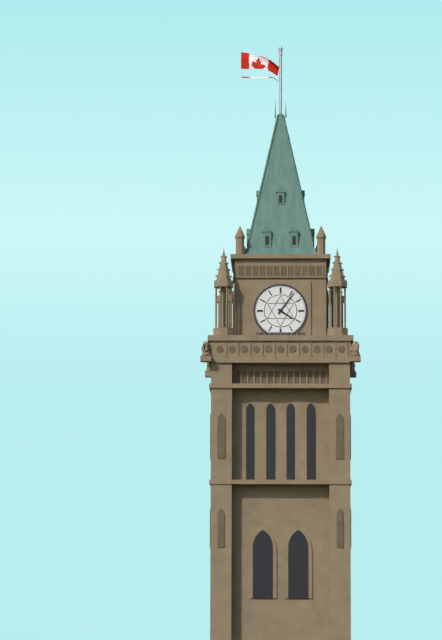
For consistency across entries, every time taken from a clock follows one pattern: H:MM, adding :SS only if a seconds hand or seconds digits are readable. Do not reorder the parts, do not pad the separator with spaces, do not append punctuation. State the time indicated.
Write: 4:06
